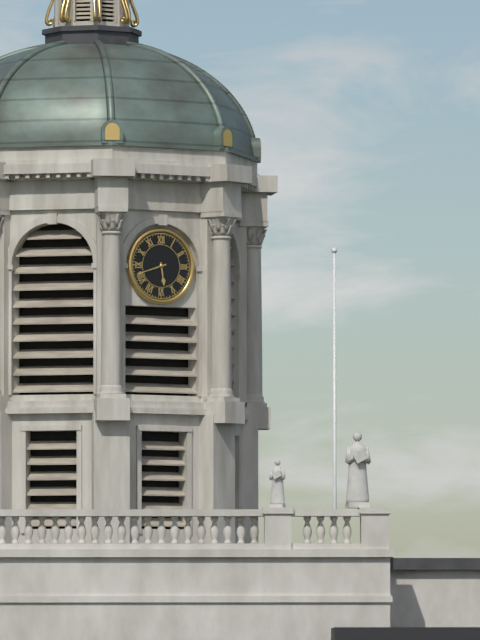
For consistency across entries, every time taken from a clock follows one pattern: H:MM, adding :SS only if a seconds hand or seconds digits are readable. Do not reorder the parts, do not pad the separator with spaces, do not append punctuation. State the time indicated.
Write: 5:42
